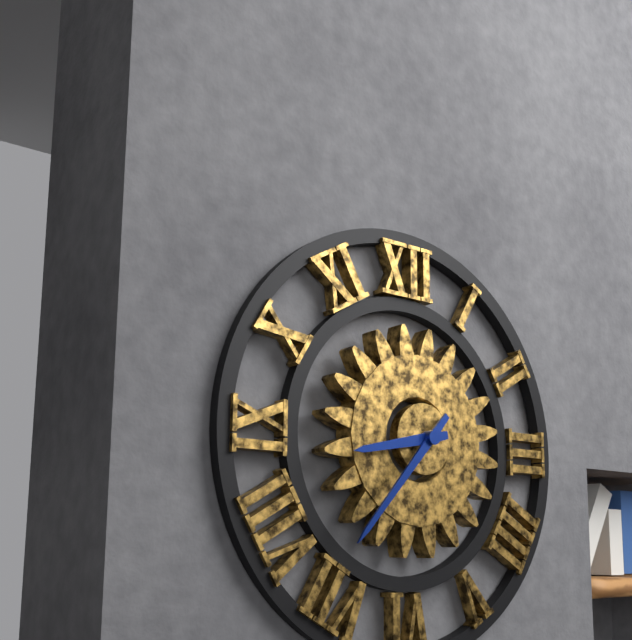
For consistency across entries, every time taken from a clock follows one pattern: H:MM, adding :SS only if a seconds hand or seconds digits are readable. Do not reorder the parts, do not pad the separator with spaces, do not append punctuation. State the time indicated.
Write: 8:37
